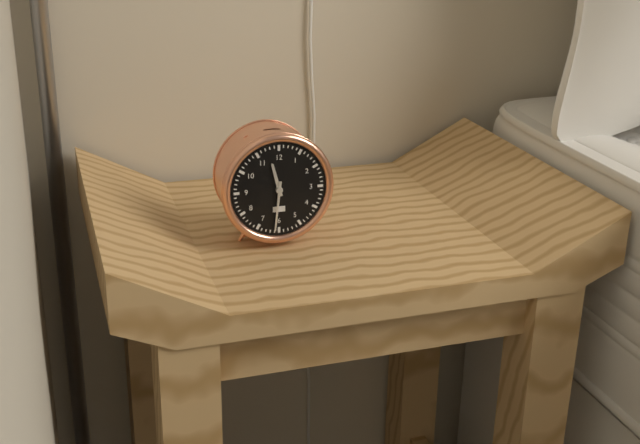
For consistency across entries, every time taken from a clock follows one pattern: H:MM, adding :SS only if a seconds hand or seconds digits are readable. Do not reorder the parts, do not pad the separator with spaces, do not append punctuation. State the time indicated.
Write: 11:31
